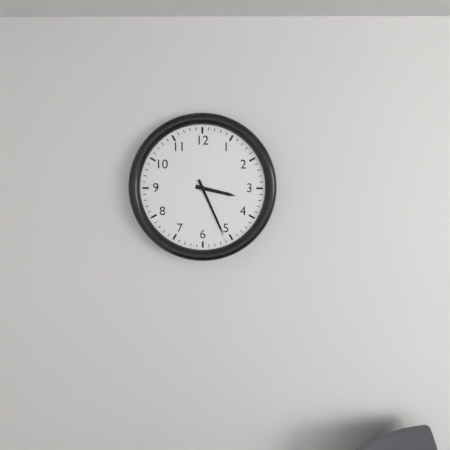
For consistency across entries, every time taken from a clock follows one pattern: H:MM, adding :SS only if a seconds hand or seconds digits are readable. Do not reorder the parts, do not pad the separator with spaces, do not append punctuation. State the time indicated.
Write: 3:26
